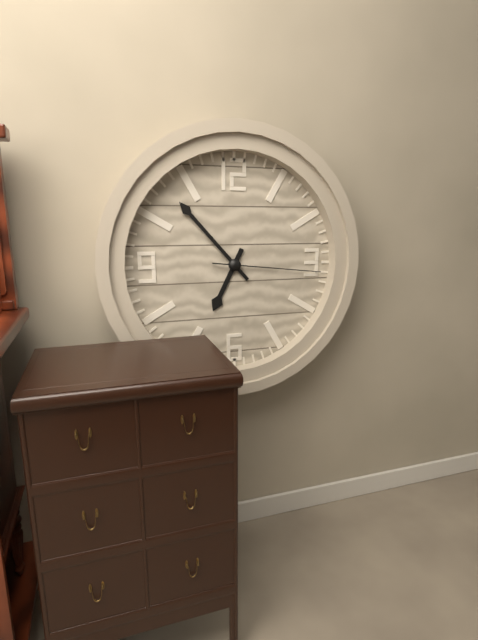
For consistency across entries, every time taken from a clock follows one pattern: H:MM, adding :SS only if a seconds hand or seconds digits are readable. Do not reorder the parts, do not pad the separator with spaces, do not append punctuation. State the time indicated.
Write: 6:53:16
